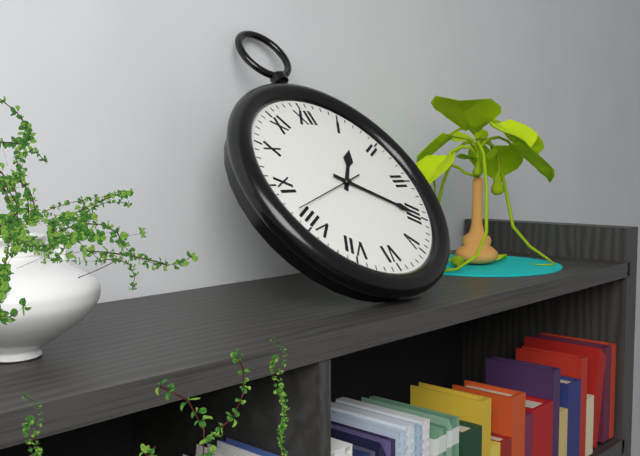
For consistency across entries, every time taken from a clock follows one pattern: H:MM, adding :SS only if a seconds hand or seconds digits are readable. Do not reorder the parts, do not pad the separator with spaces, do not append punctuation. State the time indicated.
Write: 1:20:42
